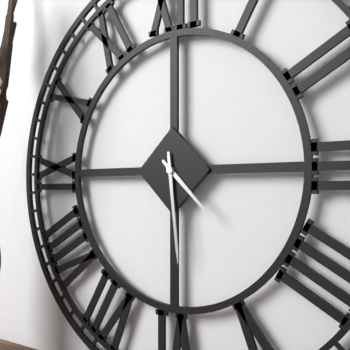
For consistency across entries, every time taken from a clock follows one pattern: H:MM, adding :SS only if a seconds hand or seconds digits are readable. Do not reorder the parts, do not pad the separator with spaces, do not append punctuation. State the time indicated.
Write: 4:29
